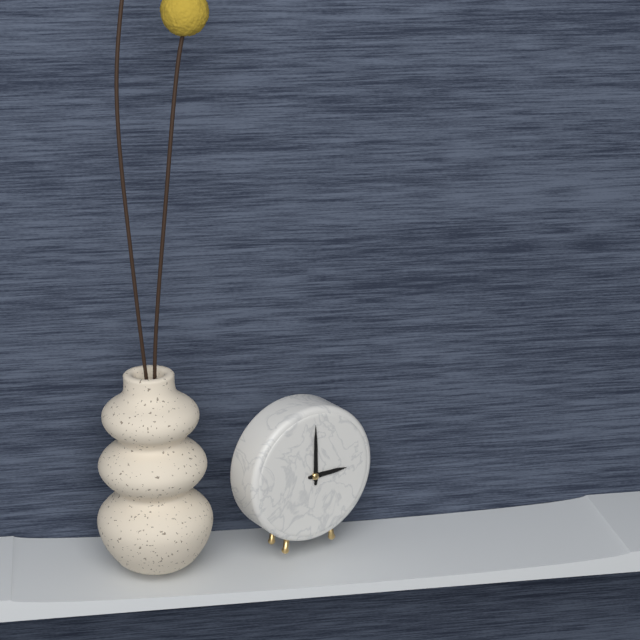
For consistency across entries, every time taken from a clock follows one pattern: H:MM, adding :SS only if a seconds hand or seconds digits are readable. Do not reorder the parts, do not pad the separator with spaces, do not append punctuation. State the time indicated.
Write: 3:00
